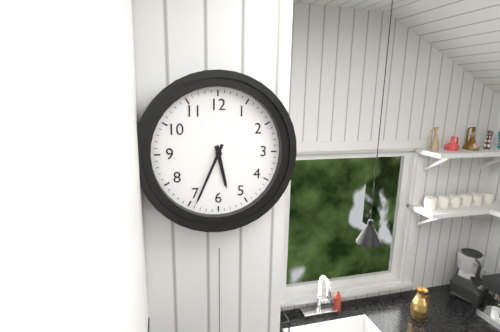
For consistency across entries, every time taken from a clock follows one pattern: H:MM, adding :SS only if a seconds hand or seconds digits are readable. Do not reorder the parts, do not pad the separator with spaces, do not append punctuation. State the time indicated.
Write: 5:34
